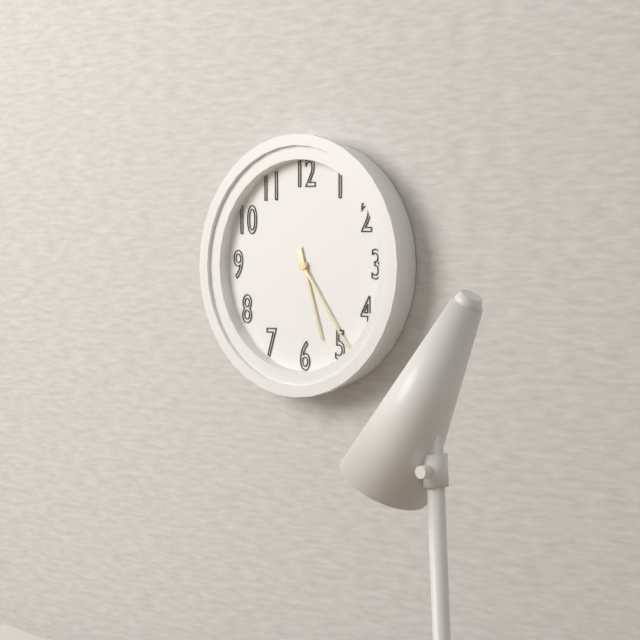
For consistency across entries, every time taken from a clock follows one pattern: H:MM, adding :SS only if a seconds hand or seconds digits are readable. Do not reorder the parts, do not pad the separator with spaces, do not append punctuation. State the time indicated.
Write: 5:24
